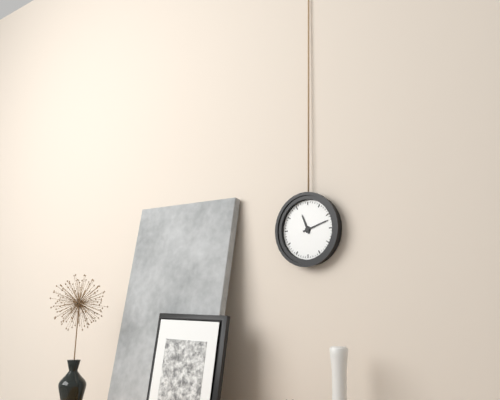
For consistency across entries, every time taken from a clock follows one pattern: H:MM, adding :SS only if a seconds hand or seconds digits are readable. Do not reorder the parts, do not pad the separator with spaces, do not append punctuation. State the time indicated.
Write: 11:12
